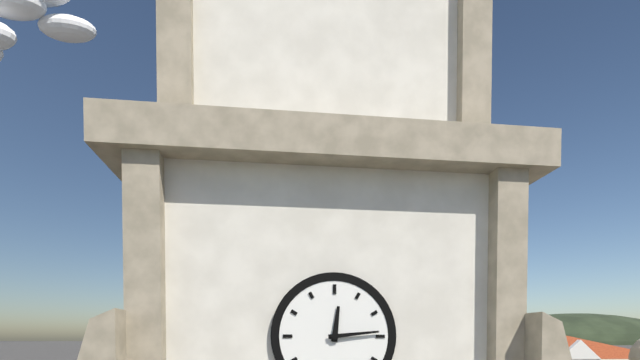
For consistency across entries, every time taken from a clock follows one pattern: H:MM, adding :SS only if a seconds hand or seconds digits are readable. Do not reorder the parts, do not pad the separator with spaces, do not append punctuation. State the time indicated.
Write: 12:14
